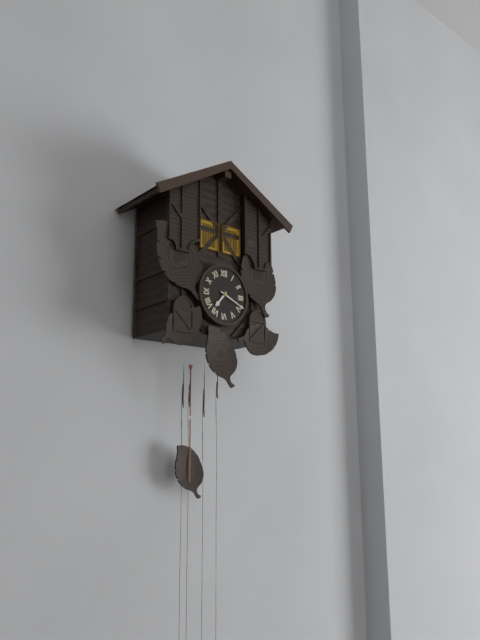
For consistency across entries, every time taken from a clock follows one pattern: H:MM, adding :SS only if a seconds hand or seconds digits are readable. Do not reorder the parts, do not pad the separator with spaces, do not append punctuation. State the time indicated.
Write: 7:19
